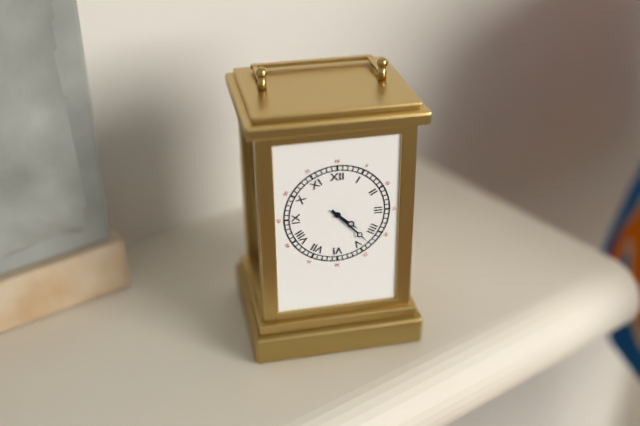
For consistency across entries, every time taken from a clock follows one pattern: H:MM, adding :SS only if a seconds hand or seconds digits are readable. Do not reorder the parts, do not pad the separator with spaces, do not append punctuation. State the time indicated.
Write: 4:23
